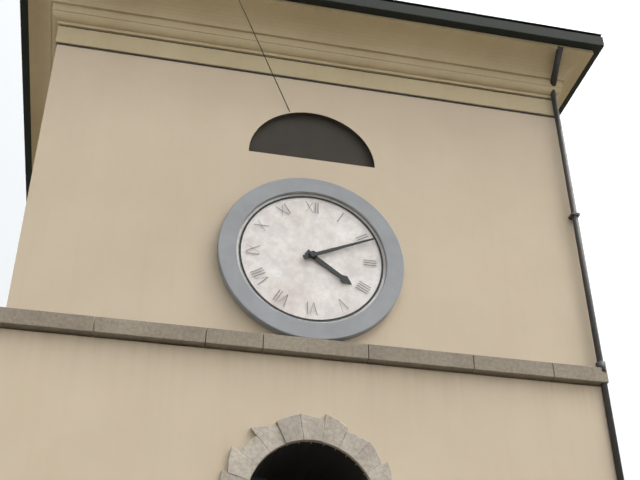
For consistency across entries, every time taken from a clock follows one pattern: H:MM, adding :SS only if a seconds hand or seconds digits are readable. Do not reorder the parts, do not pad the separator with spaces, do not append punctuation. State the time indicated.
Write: 4:11
